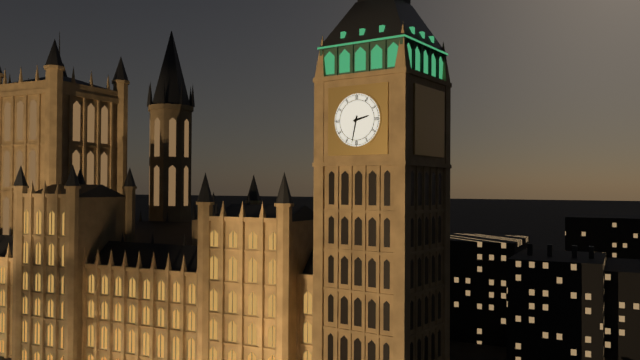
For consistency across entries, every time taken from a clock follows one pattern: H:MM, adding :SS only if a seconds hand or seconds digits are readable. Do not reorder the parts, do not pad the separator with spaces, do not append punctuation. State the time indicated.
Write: 2:32
